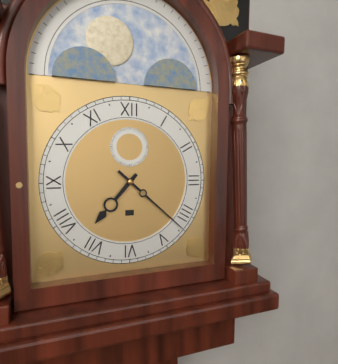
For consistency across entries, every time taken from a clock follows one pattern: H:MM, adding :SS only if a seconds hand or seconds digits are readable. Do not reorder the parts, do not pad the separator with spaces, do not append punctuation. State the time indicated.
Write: 7:22
